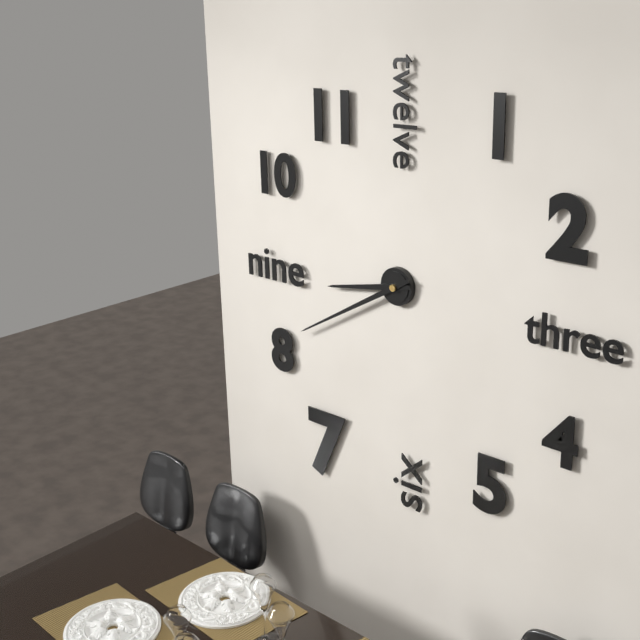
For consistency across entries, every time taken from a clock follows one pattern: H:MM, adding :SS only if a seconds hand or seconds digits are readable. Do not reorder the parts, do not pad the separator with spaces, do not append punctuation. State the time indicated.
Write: 8:40
